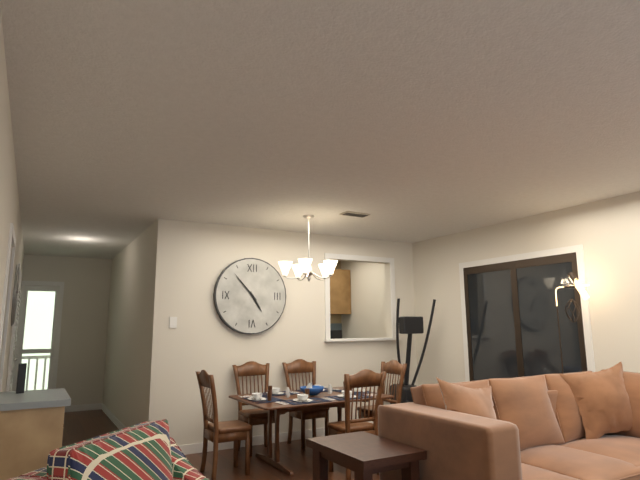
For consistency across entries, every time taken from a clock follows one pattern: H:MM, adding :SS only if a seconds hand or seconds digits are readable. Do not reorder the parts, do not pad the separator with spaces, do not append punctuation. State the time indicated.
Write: 4:53
